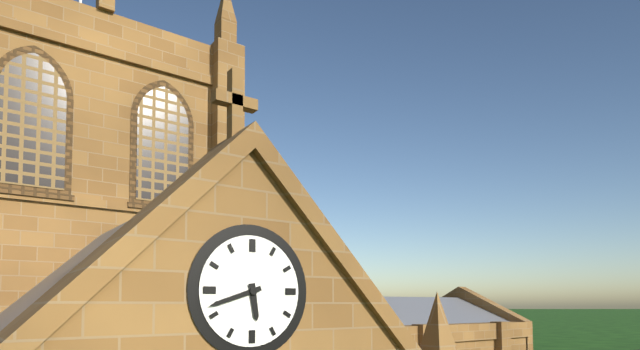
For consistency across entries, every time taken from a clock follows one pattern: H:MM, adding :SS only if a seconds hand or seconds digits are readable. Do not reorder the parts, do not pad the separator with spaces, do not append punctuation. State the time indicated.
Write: 5:42
